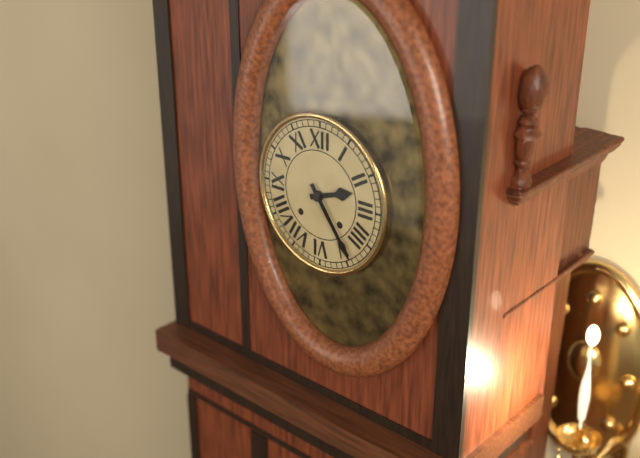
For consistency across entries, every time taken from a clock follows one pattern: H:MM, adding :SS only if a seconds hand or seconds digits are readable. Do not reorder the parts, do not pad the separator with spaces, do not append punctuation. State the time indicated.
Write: 2:24
